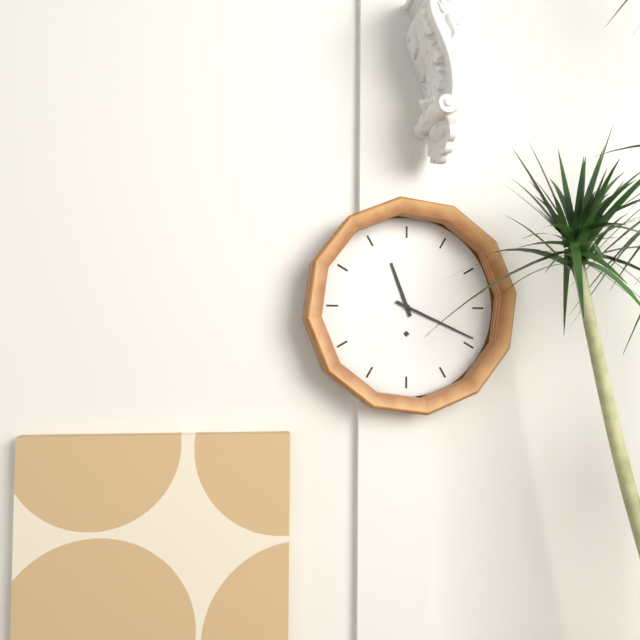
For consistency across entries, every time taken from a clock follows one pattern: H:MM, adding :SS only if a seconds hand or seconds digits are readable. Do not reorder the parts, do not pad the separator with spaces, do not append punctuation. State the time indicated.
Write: 11:19
